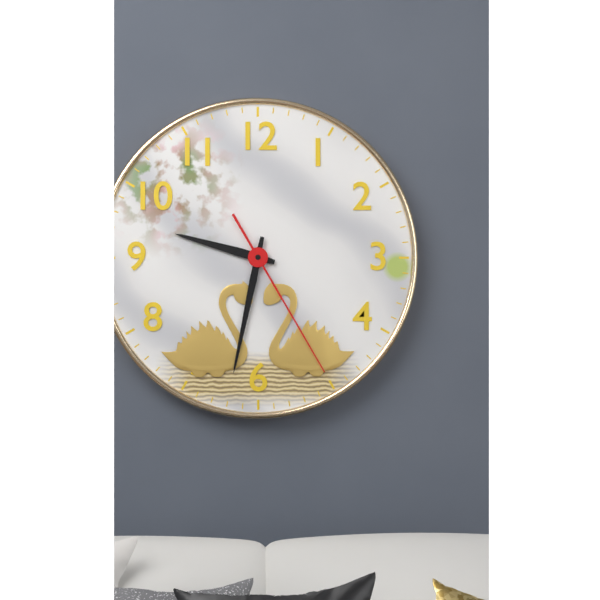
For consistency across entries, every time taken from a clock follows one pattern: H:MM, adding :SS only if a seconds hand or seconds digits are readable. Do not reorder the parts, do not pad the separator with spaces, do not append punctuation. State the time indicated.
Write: 9:32:25
